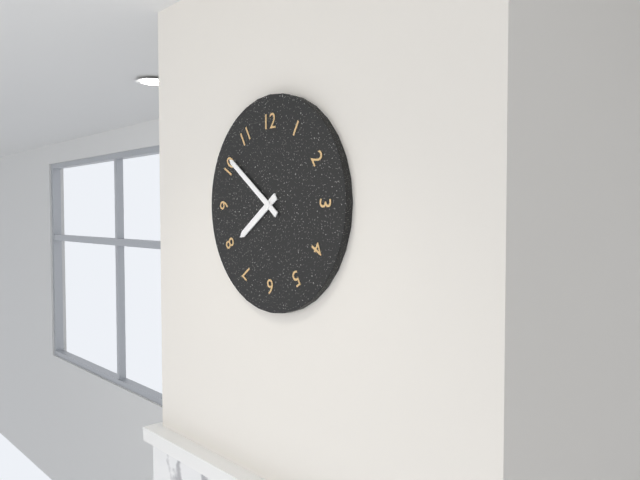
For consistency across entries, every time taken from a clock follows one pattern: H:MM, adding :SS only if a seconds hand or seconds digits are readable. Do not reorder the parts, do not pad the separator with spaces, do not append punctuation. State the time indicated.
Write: 7:51
